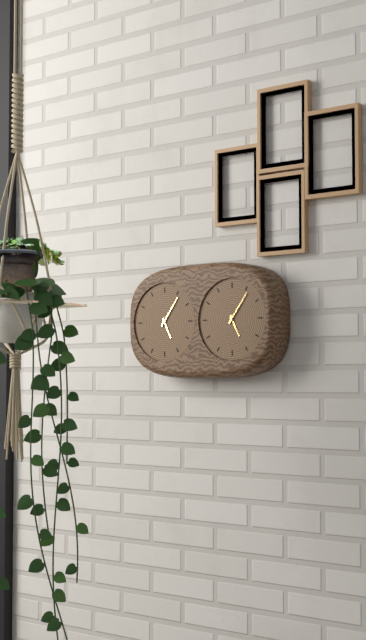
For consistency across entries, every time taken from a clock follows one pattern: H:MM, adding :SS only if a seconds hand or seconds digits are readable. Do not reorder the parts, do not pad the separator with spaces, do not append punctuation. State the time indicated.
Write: 5:06
